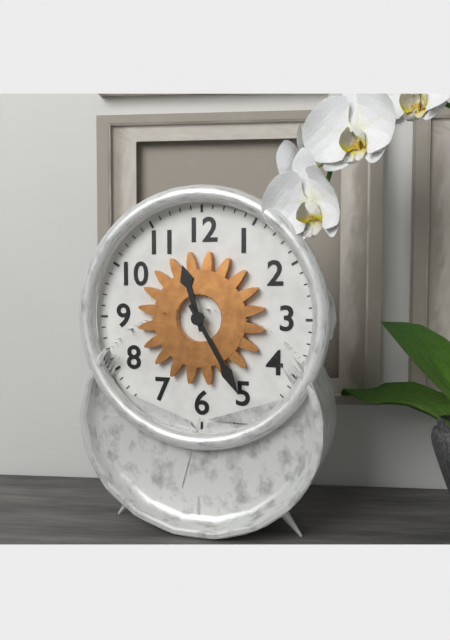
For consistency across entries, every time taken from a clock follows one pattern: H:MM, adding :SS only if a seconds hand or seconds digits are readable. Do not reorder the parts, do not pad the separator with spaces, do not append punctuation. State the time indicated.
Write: 11:25
